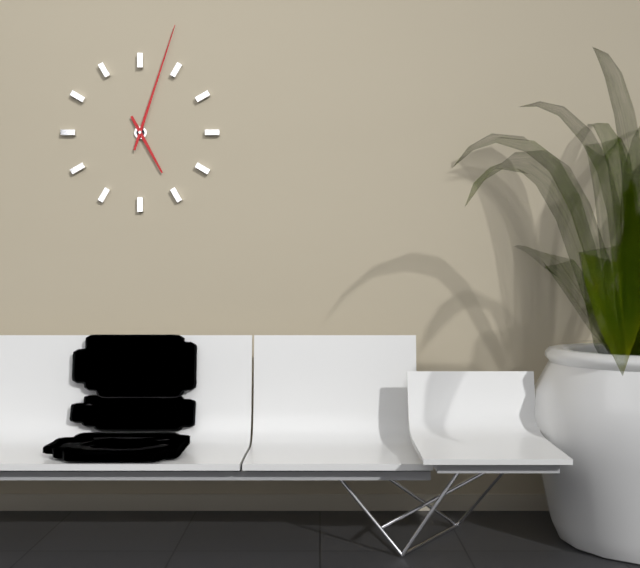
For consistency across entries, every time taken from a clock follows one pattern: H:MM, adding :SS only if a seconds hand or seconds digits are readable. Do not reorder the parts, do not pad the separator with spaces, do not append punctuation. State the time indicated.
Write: 5:03
